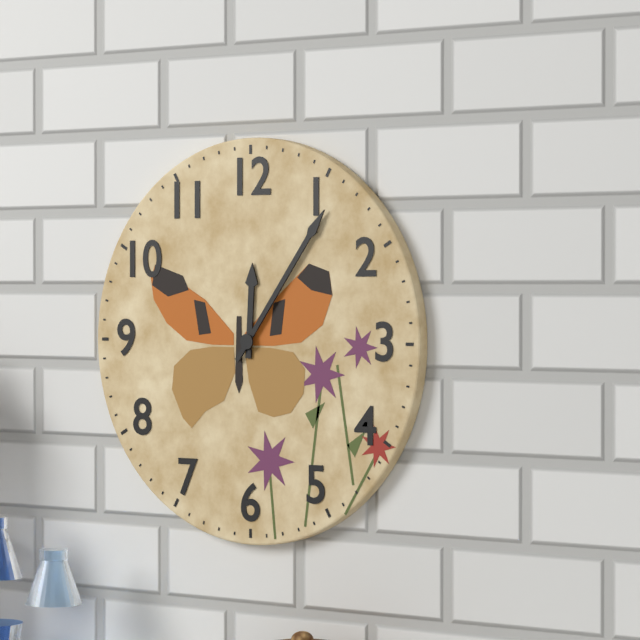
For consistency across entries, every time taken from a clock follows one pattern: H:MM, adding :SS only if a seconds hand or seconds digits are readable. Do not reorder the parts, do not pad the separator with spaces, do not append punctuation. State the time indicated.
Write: 12:06
